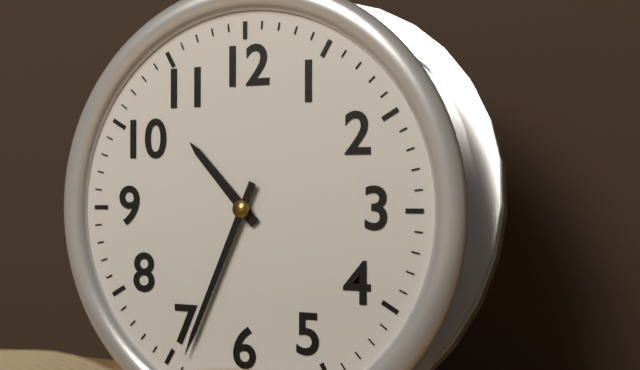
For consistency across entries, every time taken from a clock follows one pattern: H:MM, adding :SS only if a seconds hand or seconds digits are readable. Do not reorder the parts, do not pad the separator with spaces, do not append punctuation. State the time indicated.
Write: 10:34
